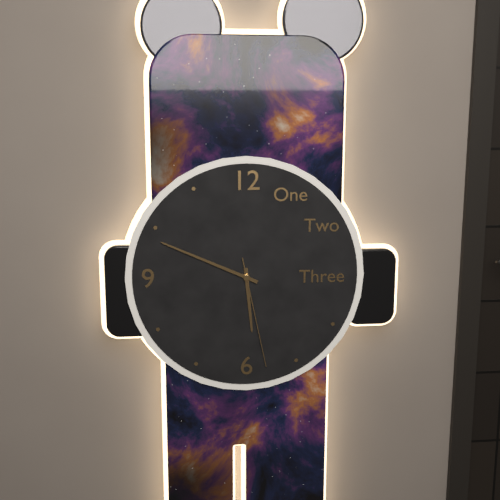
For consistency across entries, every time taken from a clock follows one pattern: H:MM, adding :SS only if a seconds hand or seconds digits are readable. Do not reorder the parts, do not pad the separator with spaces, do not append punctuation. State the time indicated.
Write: 5:49:28
